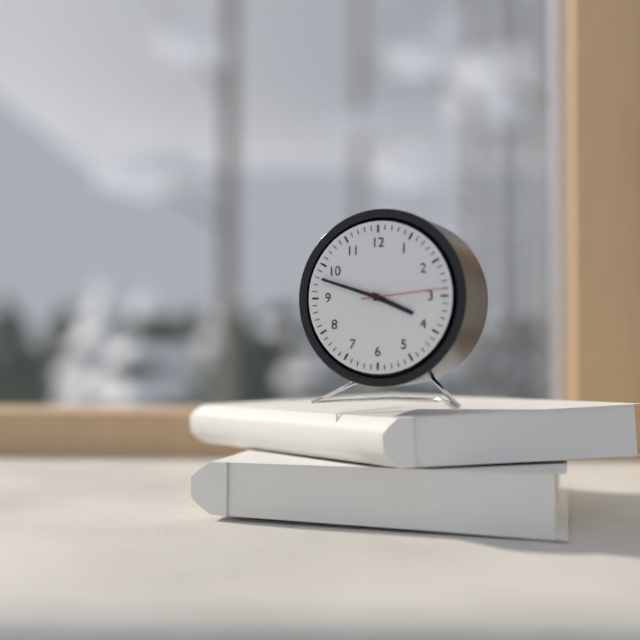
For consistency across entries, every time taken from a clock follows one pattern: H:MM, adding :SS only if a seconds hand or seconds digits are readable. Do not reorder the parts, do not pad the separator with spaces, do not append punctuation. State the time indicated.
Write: 3:48:14
